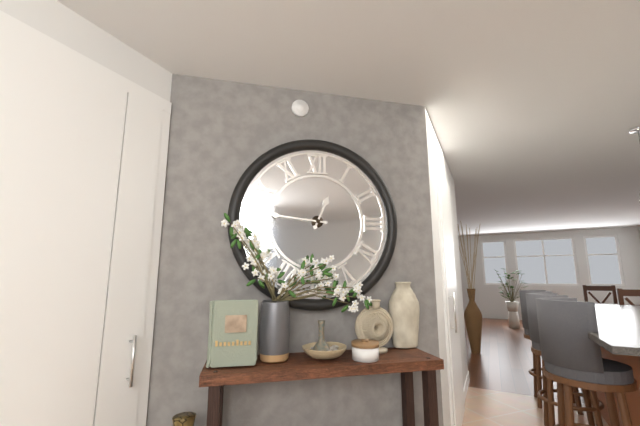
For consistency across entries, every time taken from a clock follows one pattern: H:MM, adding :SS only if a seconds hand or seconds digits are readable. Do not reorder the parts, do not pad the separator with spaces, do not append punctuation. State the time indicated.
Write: 12:46
